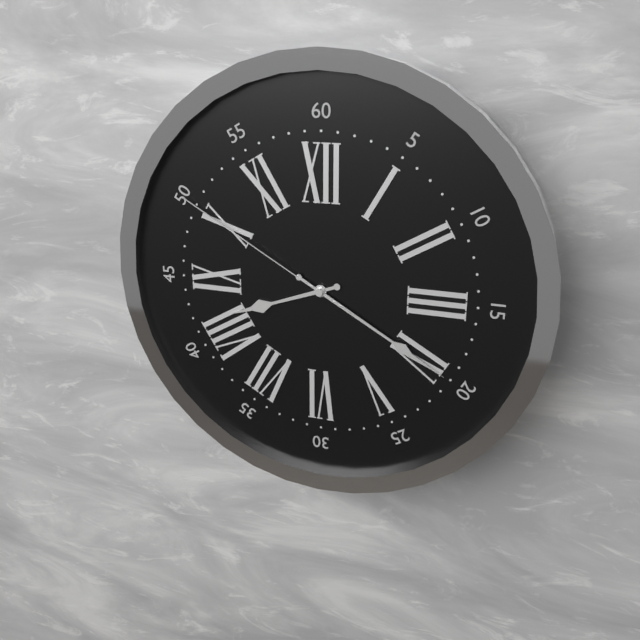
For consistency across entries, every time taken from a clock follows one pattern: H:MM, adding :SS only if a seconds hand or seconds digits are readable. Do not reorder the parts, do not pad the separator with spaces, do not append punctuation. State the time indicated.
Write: 8:20:50
